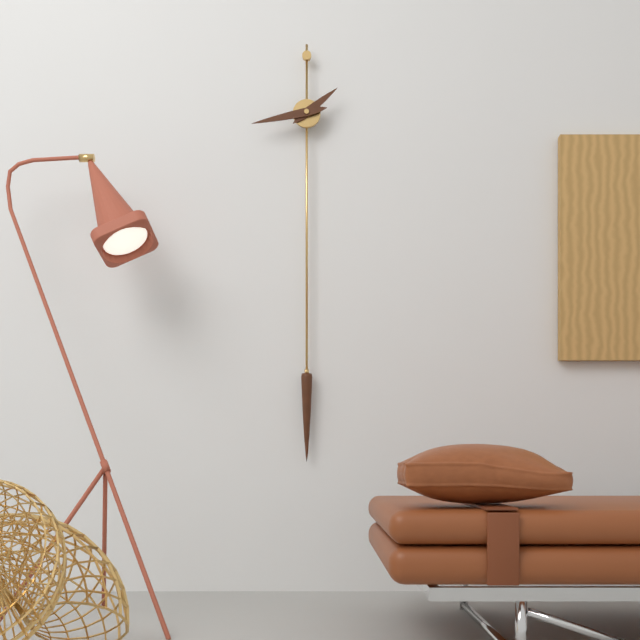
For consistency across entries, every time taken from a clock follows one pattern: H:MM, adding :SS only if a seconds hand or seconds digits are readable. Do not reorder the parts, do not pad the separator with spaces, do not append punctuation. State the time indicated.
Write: 1:43
